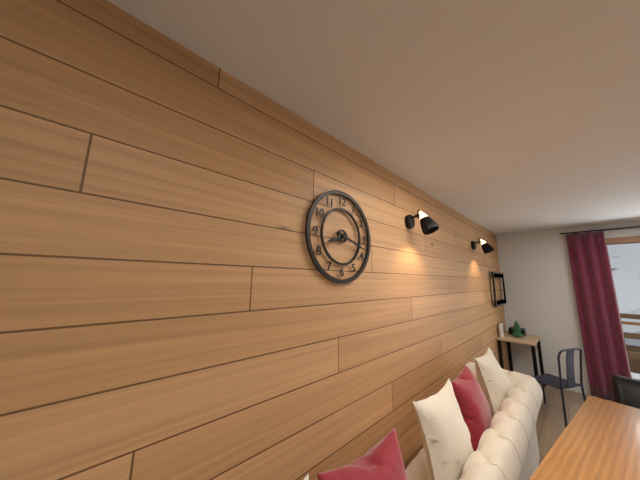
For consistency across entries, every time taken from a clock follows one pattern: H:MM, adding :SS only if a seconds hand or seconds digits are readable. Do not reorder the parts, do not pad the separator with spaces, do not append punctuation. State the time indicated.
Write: 8:18
